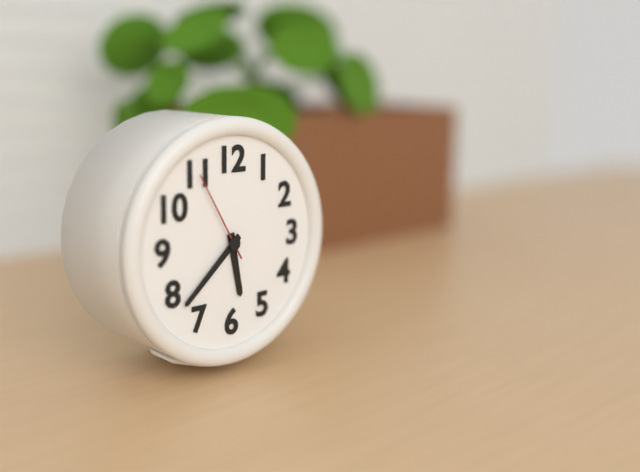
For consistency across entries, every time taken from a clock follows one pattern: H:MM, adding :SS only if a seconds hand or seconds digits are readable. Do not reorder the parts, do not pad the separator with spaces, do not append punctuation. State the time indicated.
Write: 5:38:55
